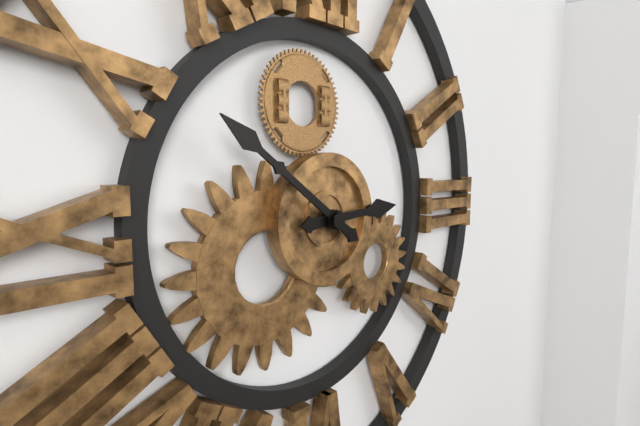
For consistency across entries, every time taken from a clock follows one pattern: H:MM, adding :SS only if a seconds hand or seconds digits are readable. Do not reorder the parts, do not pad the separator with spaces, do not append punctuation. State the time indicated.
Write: 2:51
